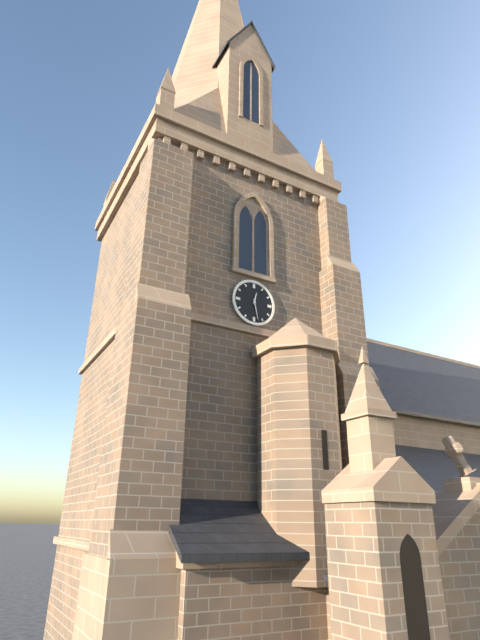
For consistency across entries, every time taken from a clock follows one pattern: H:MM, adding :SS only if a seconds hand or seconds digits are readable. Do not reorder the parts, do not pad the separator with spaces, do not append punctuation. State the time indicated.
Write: 12:28
